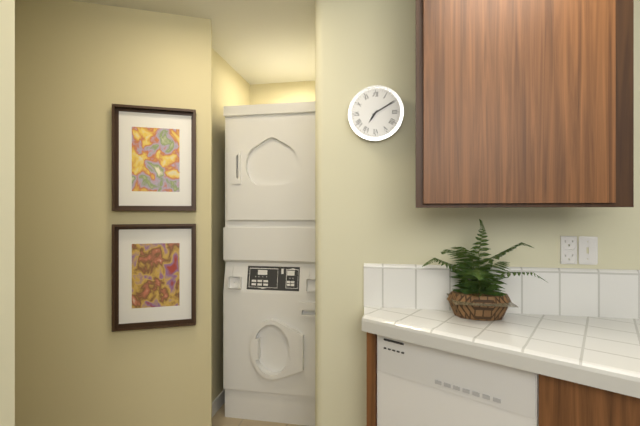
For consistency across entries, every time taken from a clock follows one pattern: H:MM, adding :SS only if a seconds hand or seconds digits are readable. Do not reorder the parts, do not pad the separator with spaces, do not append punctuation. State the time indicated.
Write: 7:10
